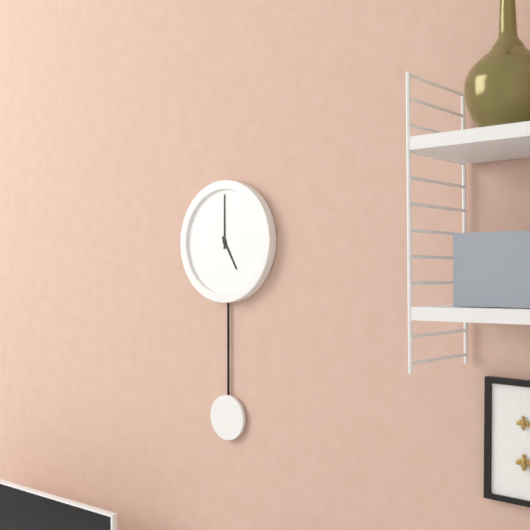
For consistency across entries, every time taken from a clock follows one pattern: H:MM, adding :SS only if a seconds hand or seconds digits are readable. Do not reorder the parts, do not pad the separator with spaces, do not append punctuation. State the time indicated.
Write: 5:00
